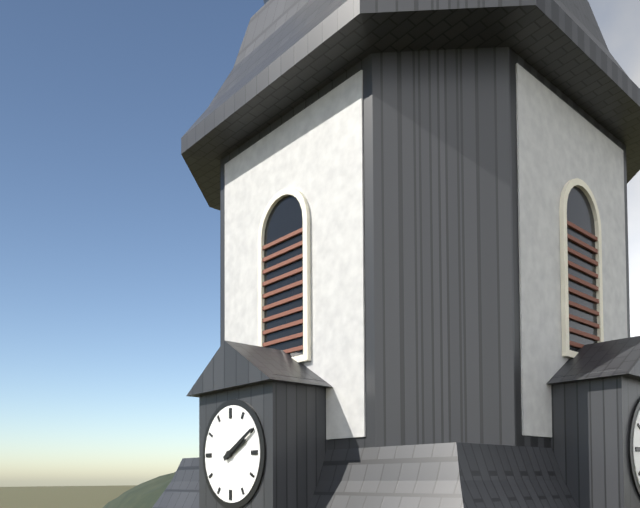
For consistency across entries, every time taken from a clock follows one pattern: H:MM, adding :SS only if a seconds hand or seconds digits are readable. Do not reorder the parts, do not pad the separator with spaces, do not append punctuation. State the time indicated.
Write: 2:10
